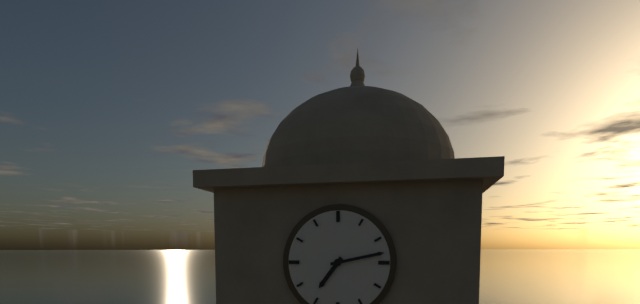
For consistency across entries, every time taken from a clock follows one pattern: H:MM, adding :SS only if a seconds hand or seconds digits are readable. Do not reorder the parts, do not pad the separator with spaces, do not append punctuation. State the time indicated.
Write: 7:13
